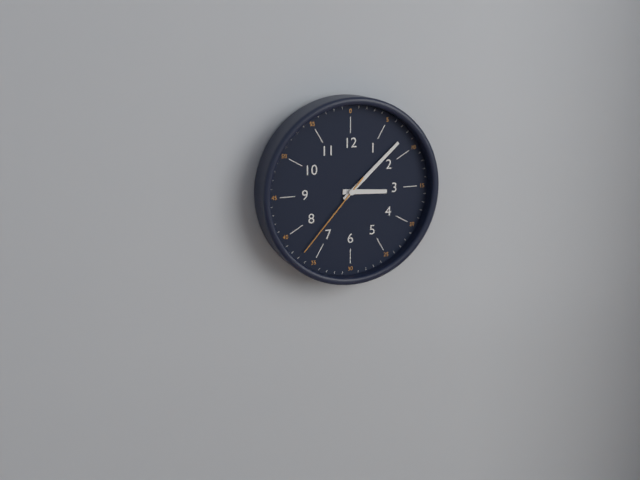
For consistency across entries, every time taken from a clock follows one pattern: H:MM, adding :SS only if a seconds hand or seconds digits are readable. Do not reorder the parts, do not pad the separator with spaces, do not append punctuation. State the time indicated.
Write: 3:08:37
